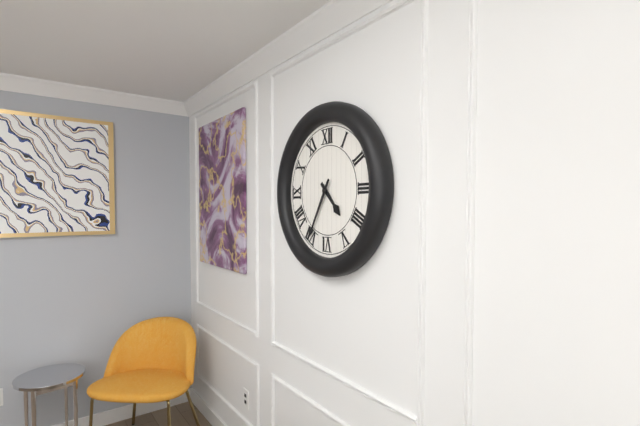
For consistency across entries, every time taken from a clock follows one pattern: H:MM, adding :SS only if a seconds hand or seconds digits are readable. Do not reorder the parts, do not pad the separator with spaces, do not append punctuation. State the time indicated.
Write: 4:35
